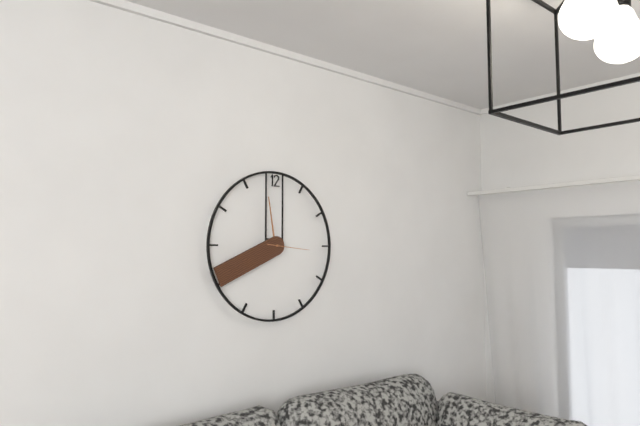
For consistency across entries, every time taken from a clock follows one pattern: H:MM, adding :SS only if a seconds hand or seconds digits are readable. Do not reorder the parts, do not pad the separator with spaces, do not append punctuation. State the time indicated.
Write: 11:41
